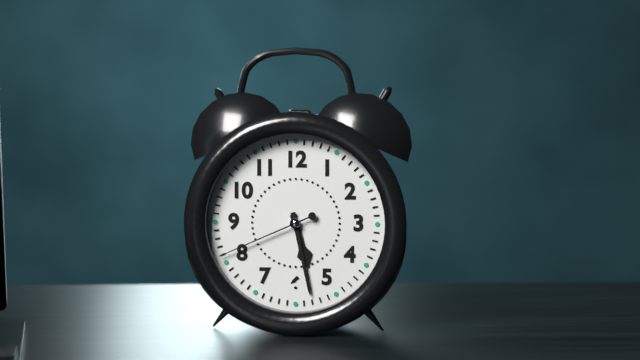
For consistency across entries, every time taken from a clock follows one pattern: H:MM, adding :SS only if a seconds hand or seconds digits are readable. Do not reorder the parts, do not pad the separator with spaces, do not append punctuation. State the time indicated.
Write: 5:28:41
